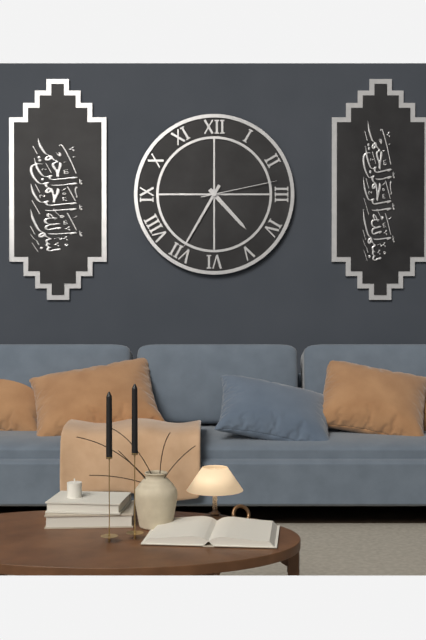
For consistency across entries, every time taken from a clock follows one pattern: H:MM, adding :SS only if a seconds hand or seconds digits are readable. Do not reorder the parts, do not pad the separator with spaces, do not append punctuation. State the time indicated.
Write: 4:35:13
